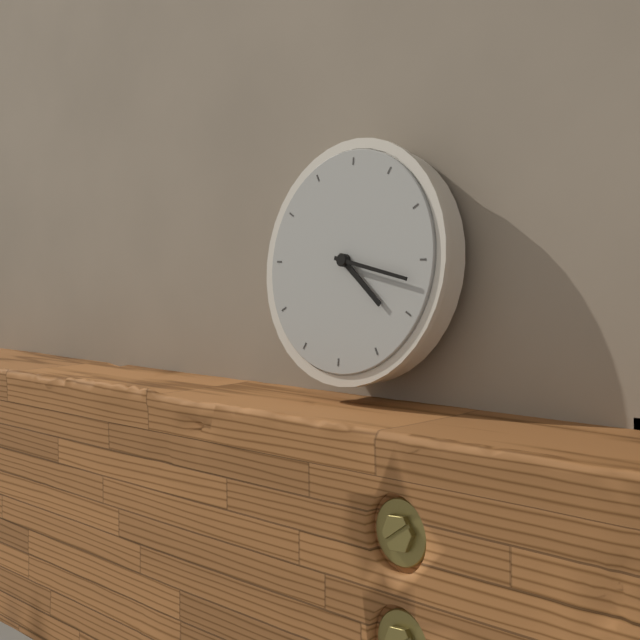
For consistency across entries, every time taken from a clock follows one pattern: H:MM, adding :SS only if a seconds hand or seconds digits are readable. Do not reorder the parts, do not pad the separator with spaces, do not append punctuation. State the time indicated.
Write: 4:17
